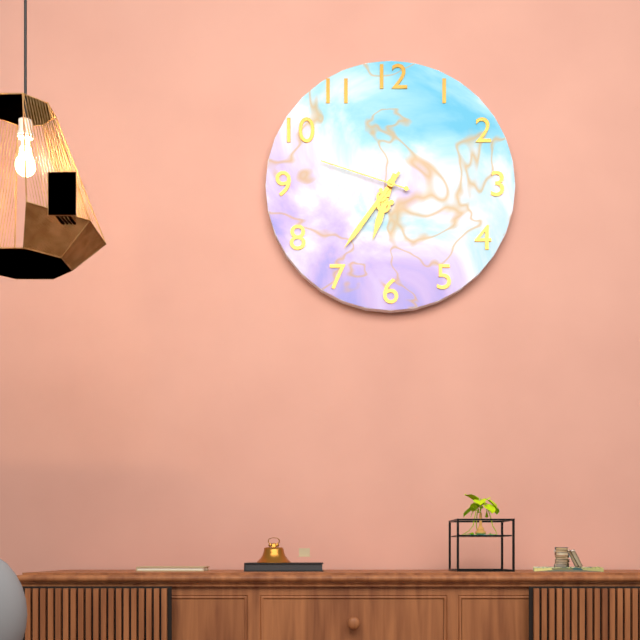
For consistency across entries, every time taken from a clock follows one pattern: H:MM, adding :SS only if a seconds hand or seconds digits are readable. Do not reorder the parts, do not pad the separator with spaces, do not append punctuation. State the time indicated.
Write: 6:36:48
